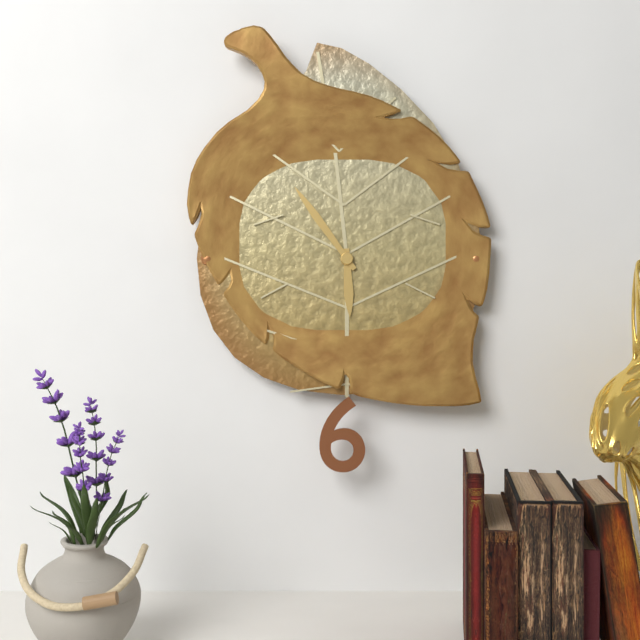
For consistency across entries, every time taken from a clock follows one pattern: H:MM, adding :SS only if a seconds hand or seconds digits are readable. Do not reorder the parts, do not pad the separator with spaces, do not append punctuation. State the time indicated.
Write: 5:54
